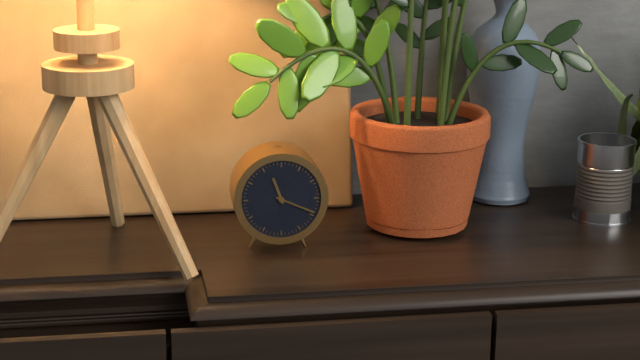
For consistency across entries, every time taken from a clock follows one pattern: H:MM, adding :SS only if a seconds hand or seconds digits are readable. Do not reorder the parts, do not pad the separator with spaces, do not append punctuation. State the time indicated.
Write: 11:19
